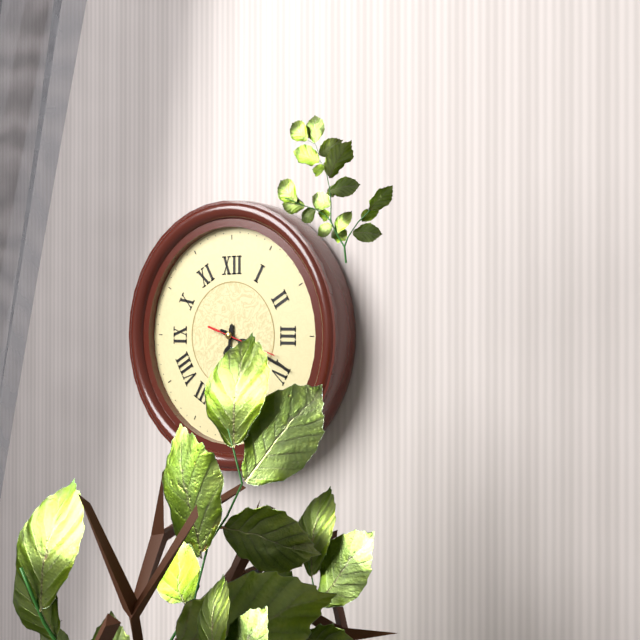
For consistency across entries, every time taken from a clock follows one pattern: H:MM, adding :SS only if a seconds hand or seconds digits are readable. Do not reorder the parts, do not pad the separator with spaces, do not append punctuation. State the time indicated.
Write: 6:19:18
